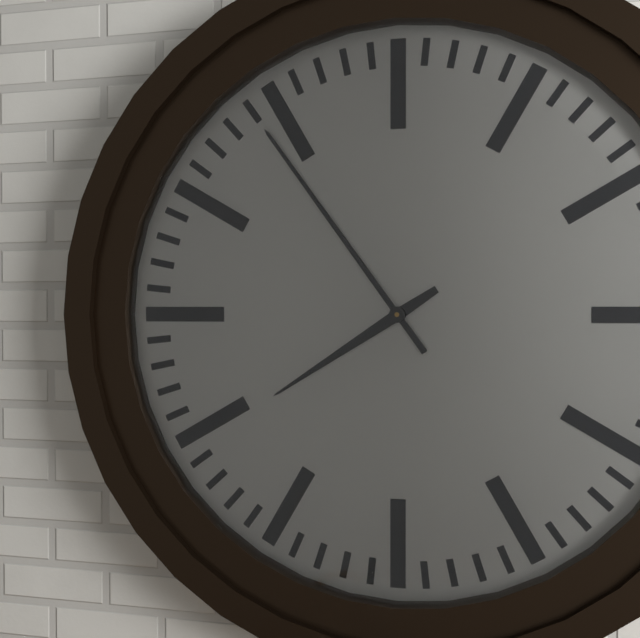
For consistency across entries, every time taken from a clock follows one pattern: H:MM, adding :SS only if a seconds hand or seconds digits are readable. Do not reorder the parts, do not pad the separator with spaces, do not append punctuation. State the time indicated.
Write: 7:54
